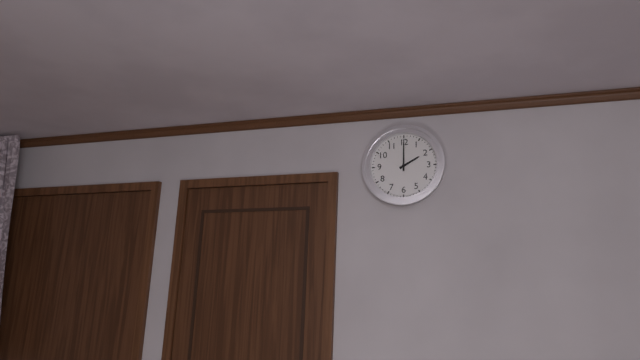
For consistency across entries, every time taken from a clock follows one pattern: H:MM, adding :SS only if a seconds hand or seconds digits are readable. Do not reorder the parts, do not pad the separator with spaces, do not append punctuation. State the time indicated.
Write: 2:00
